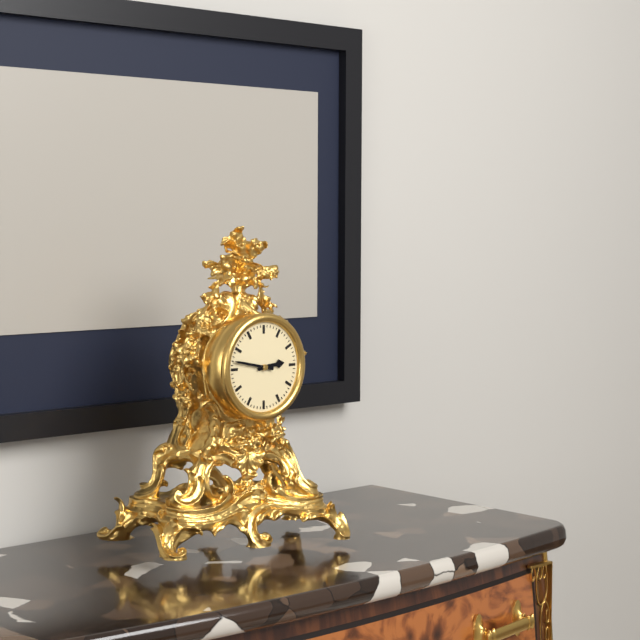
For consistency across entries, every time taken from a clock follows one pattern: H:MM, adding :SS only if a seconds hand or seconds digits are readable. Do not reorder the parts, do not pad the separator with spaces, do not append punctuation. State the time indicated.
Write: 2:47
